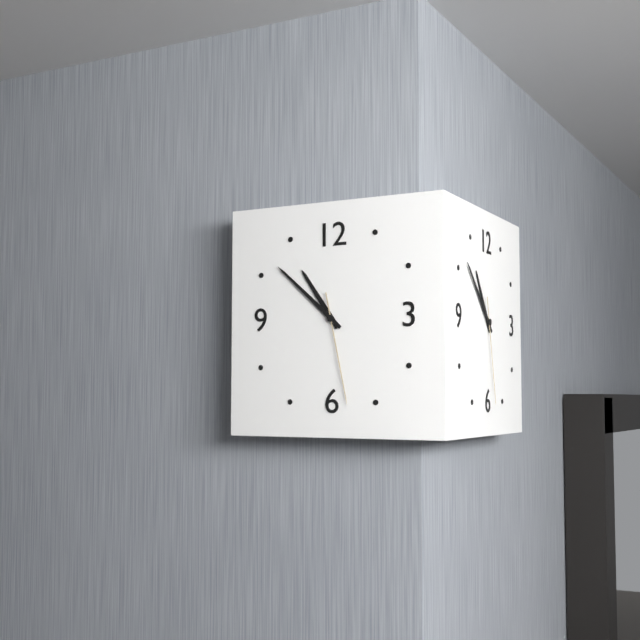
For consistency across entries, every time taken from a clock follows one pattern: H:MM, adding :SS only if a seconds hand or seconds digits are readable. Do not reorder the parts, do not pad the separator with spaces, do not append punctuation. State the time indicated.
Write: 10:52:28
